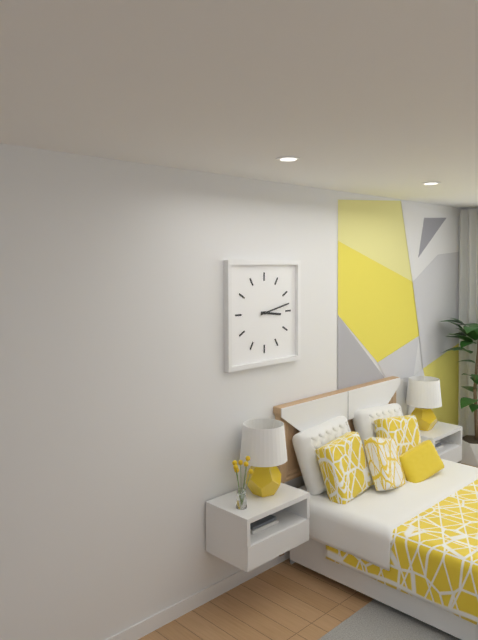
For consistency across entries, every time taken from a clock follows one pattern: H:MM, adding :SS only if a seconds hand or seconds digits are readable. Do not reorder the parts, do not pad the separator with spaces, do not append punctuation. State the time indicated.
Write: 3:13
